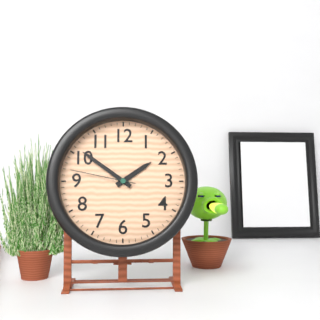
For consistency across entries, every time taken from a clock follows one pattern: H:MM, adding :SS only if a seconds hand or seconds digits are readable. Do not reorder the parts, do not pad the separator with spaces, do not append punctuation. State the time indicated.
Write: 1:51:47
